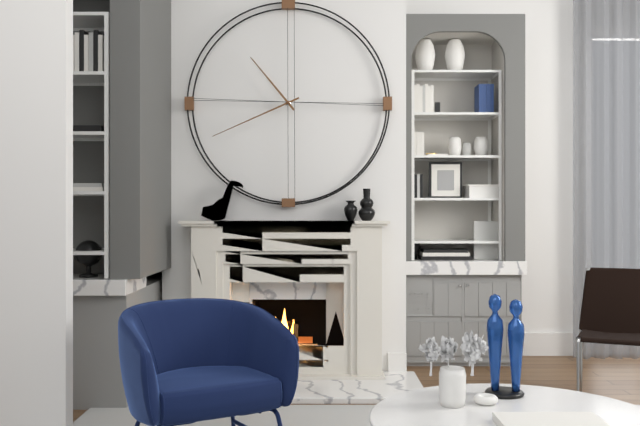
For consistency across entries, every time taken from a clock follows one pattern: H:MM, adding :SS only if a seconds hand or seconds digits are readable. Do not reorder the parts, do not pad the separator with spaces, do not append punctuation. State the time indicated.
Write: 10:41
